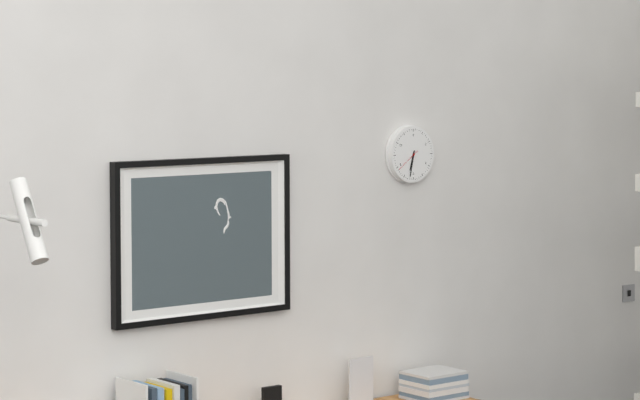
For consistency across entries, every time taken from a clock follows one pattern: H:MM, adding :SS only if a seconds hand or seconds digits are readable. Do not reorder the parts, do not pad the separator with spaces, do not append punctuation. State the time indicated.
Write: 6:32
